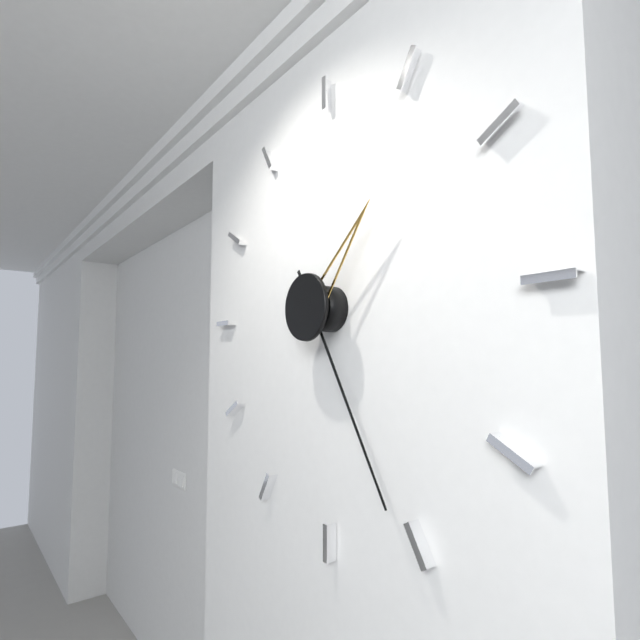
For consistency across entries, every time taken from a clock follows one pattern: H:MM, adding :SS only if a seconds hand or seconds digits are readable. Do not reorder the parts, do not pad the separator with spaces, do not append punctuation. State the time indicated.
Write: 1:25
